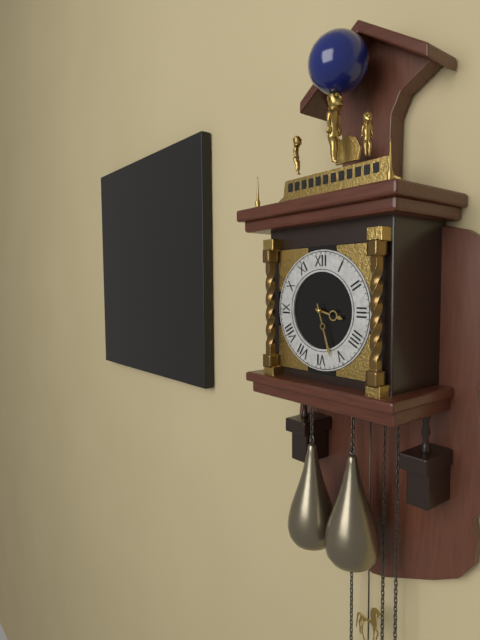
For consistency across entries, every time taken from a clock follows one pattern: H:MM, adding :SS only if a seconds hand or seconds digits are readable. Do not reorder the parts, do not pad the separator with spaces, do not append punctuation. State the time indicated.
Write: 3:27
